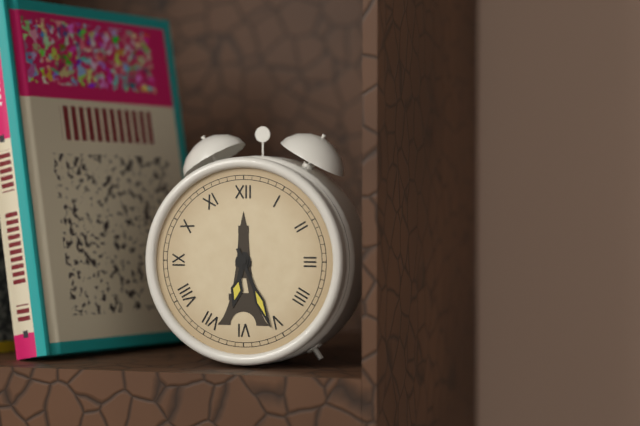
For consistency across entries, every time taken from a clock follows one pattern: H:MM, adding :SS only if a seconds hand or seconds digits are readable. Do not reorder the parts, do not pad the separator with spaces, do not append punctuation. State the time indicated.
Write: 6:26
